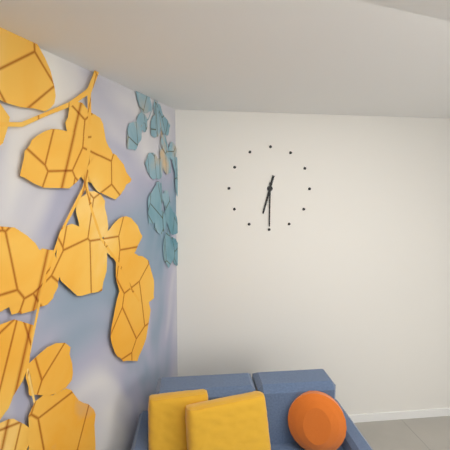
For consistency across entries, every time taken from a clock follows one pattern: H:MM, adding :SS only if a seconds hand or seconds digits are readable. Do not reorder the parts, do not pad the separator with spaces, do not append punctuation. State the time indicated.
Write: 6:30
